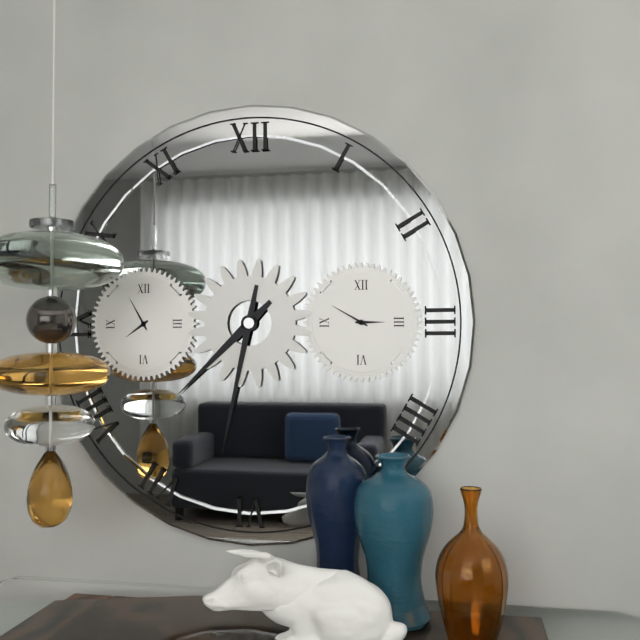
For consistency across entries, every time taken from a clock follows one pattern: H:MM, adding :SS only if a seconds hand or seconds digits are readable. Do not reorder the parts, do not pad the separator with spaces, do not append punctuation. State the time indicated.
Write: 7:32
